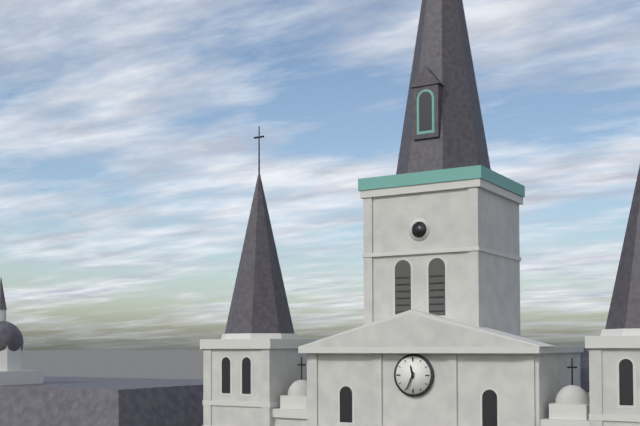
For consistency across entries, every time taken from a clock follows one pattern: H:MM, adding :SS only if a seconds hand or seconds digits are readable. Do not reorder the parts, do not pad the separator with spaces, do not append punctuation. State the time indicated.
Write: 11:34
